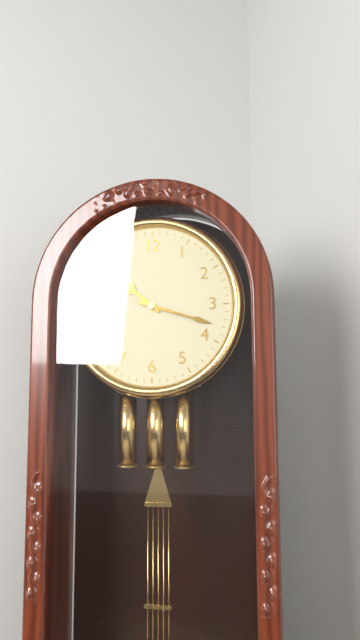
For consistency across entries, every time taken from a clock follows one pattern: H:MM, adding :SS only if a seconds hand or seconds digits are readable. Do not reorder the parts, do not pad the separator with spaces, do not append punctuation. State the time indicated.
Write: 10:18
